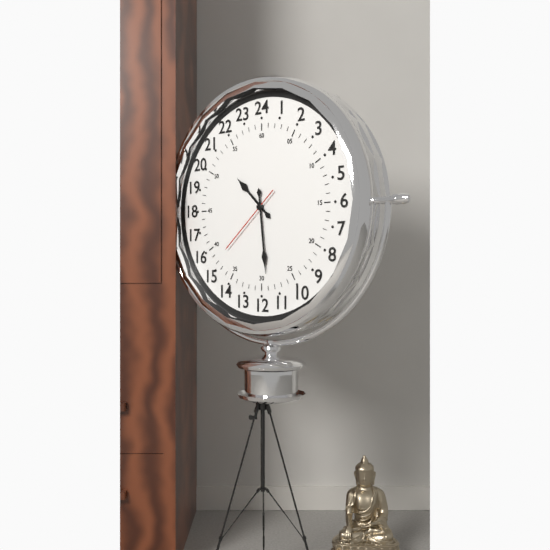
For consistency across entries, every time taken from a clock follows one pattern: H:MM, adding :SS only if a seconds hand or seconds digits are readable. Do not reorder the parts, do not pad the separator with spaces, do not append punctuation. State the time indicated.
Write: 10:29:38
